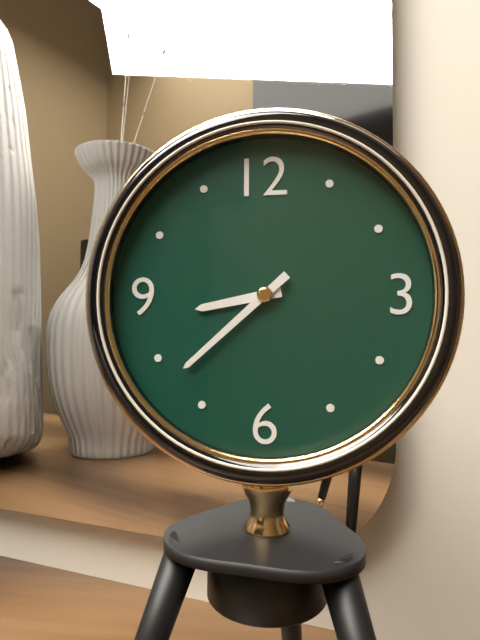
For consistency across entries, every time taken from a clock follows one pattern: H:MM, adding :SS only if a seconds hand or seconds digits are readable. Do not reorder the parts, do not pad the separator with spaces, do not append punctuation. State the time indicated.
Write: 8:38
